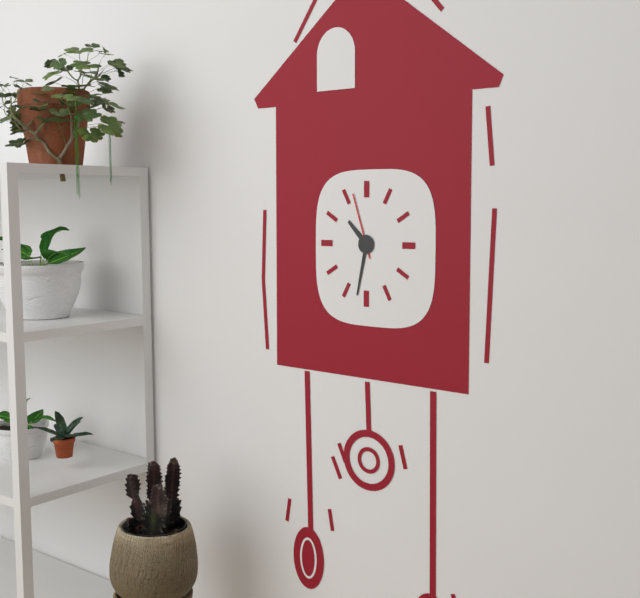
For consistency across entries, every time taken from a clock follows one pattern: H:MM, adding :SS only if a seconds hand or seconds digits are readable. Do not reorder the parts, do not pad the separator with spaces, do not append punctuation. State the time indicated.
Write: 10:32:57
